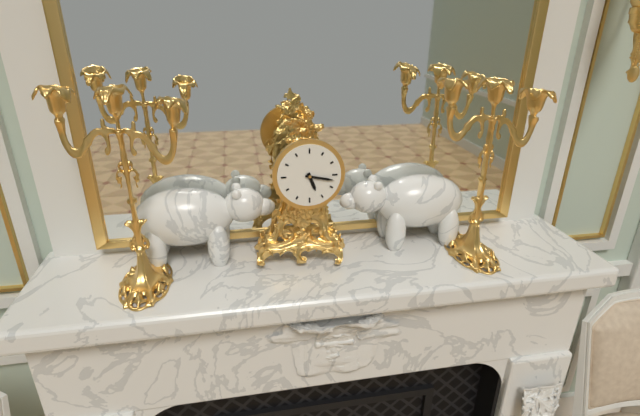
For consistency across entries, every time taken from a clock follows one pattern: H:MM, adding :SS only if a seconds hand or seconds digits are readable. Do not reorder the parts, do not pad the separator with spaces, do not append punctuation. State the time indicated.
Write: 5:17
